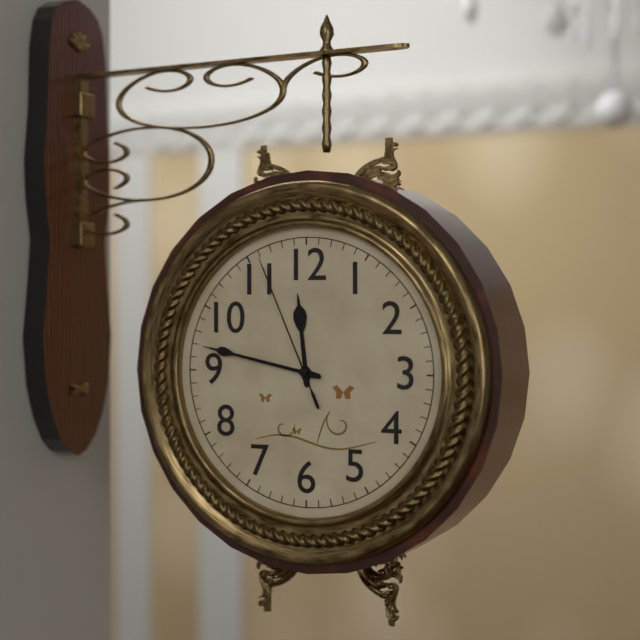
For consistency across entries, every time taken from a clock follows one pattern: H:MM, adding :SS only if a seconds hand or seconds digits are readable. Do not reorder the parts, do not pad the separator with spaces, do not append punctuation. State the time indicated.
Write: 11:47:56
